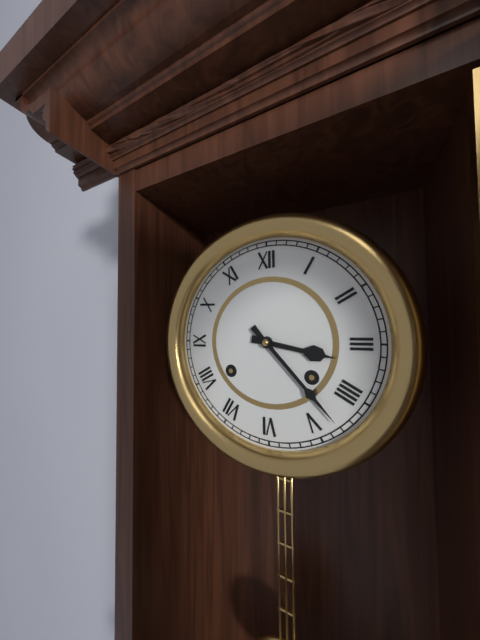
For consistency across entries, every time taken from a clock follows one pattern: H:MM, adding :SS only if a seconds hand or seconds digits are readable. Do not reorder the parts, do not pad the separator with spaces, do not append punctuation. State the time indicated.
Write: 3:23
